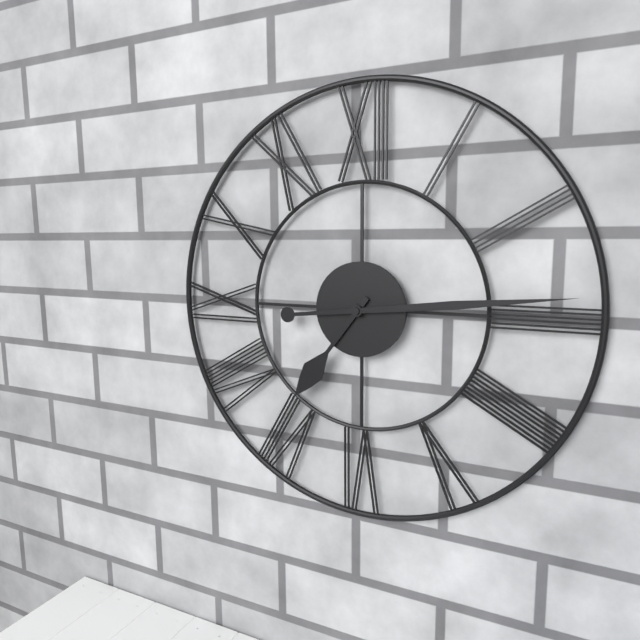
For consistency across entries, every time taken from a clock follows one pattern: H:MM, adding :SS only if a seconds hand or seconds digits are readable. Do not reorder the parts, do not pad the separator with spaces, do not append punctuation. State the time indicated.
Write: 7:14
